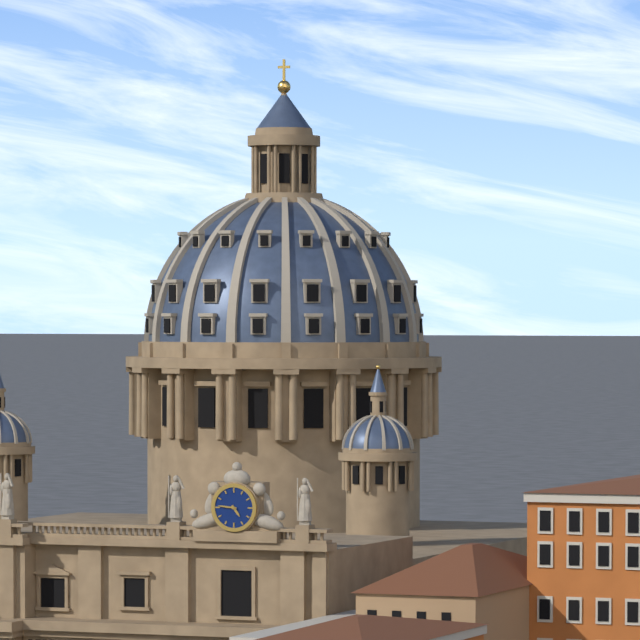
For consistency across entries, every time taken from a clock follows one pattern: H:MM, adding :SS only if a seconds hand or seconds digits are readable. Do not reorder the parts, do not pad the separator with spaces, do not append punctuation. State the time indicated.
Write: 4:46
